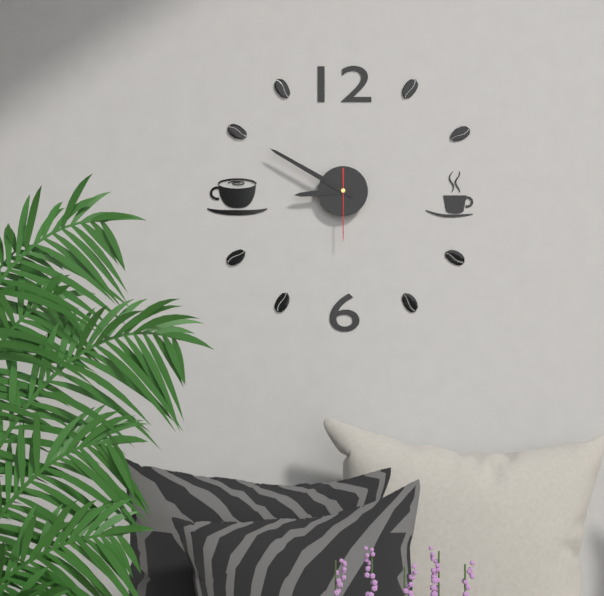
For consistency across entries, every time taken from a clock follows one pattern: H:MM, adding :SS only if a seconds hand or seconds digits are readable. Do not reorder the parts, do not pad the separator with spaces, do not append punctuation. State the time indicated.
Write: 8:50:30
